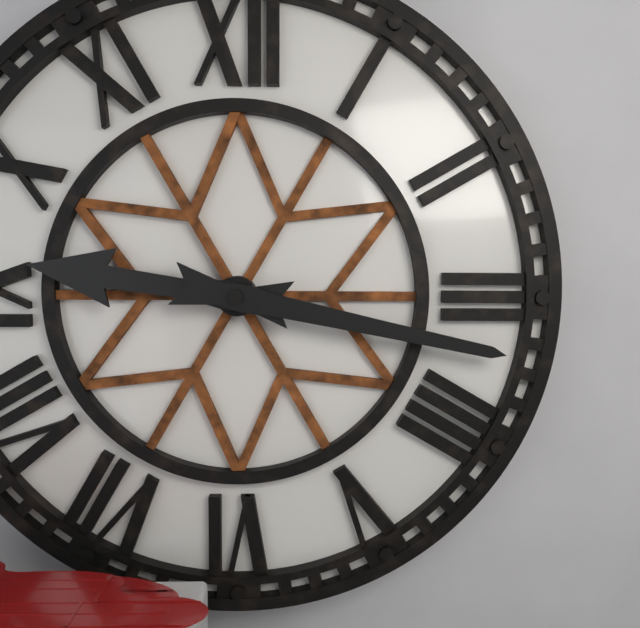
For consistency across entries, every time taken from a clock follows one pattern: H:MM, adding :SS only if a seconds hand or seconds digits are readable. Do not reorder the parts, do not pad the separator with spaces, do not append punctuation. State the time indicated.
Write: 9:17
